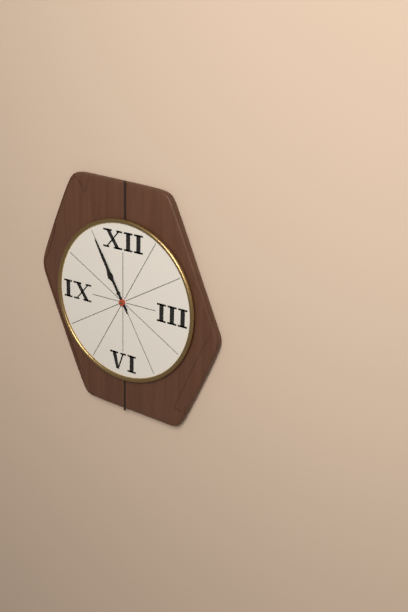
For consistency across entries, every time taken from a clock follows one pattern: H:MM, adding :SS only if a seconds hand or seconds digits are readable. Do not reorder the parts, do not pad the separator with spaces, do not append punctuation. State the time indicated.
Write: 10:55
